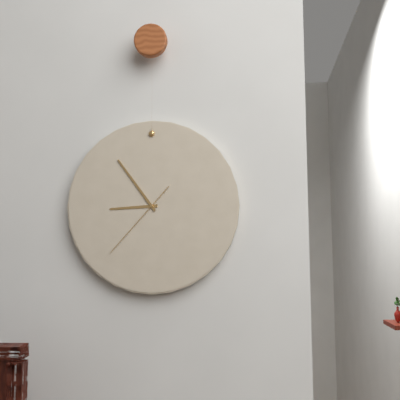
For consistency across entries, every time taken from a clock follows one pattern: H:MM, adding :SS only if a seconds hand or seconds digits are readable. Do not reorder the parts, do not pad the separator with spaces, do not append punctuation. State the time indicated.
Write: 8:54:37
